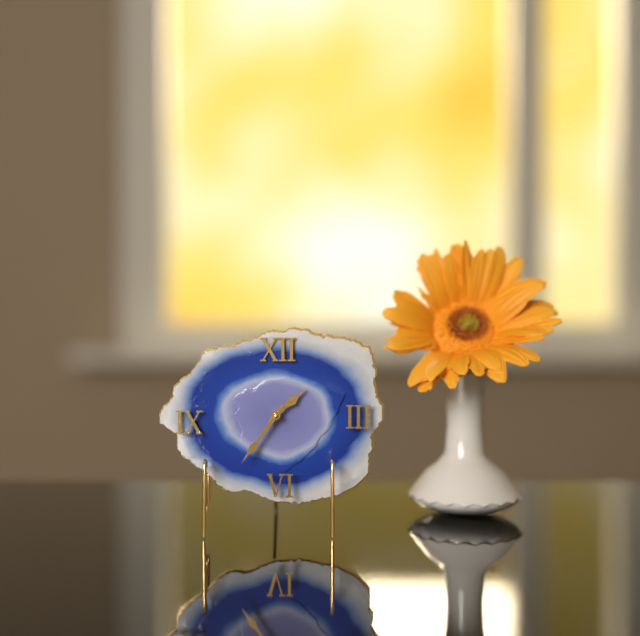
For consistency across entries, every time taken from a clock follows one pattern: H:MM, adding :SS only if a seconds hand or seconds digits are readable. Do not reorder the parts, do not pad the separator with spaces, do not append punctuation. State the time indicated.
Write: 1:36
